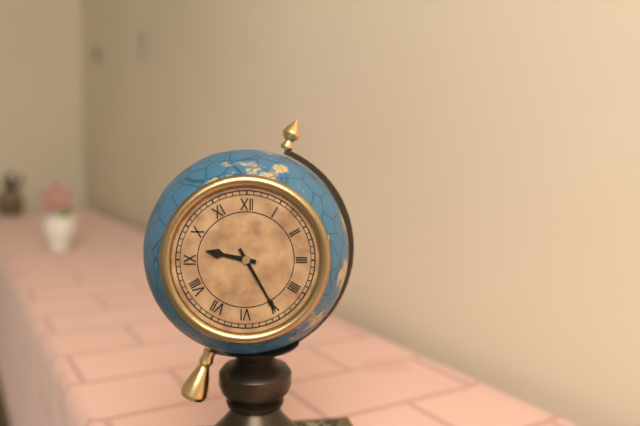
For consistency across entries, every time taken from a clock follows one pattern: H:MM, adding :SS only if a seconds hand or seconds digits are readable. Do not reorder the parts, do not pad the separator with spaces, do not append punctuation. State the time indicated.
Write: 9:25
